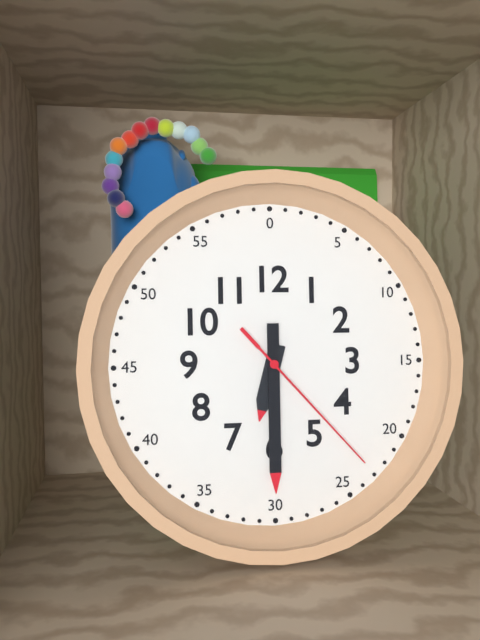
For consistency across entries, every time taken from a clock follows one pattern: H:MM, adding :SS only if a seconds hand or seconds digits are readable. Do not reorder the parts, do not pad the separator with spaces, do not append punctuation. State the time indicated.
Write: 6:30:23
